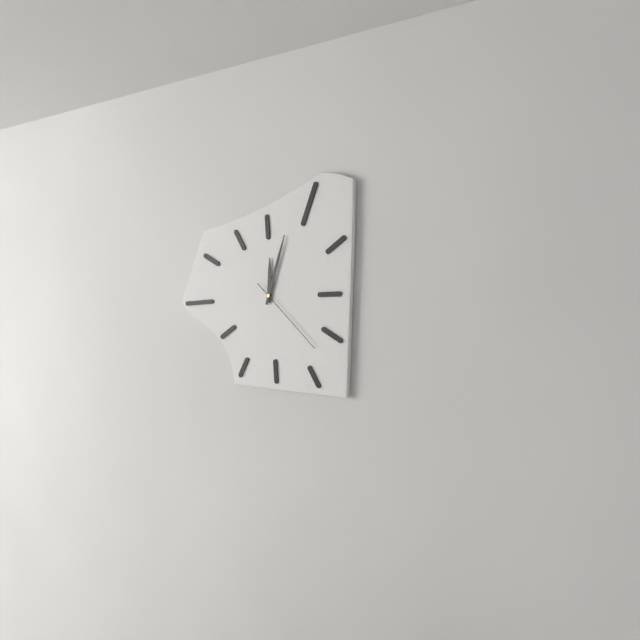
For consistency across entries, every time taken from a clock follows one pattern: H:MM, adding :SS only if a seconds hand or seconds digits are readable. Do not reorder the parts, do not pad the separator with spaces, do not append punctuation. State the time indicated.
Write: 12:03:22
